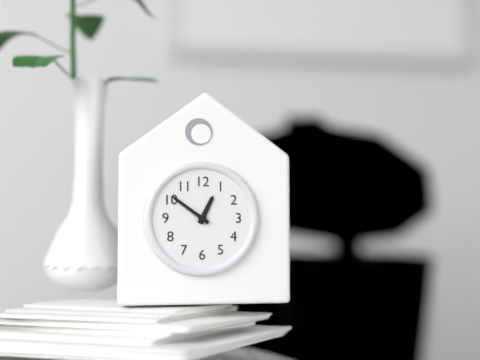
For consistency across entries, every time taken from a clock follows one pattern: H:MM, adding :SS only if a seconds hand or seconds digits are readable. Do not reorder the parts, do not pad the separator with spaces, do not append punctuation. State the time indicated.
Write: 12:51
